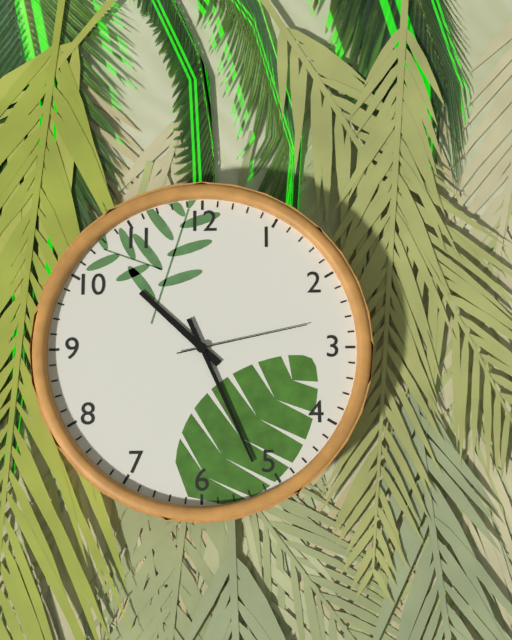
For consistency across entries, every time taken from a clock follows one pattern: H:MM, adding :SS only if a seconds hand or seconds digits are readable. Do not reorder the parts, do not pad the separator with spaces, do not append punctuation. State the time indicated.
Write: 10:26:13
